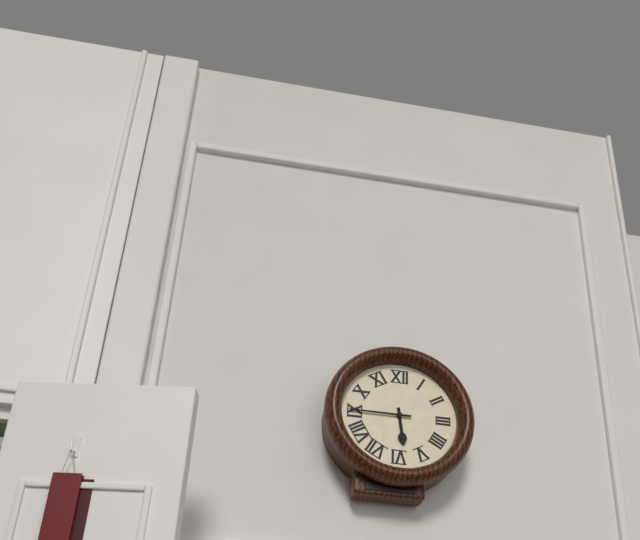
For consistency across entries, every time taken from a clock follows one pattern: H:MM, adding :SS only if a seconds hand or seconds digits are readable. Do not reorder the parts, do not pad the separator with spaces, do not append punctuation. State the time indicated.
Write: 5:45
